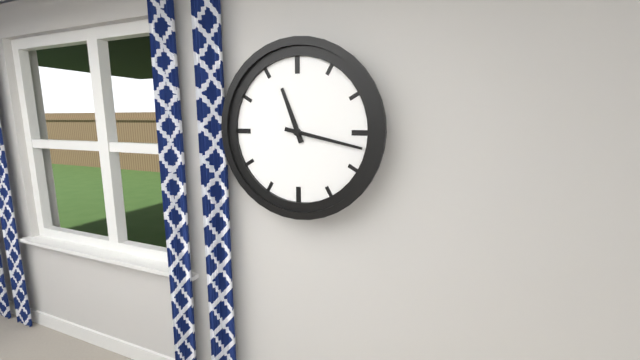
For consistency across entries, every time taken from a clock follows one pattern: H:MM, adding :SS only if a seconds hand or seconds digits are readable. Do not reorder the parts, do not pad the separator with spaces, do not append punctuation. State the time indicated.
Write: 11:17
